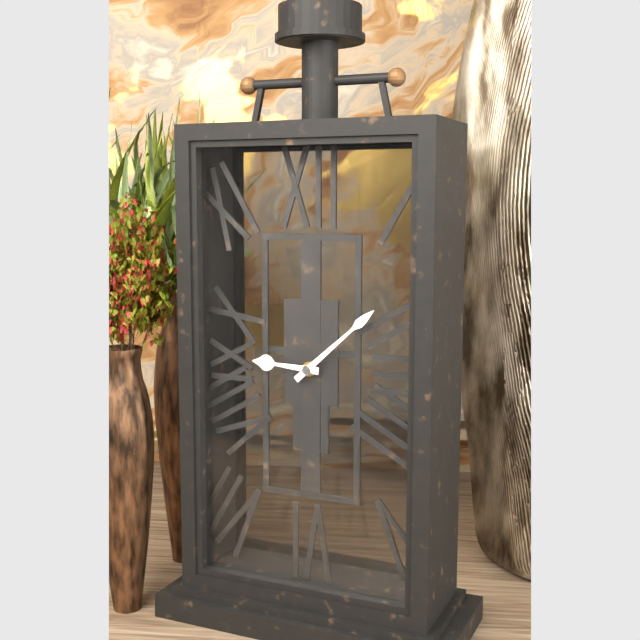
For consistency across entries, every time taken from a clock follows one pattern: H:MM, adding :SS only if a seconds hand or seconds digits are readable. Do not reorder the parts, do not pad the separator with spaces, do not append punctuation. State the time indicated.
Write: 9:08
